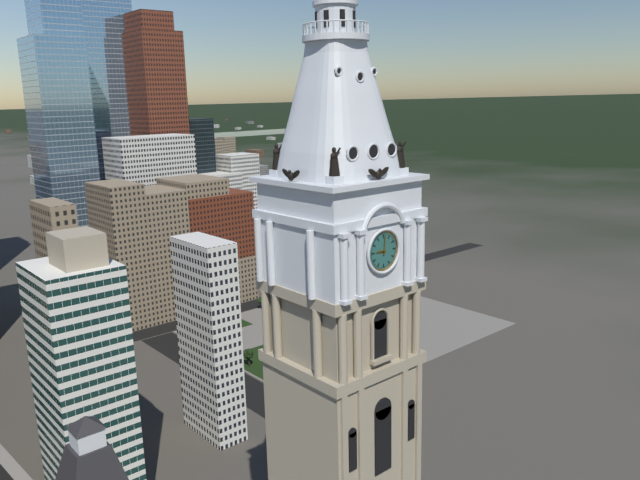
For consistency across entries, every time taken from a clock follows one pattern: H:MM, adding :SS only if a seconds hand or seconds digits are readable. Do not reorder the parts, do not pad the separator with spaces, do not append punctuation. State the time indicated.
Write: 9:01
